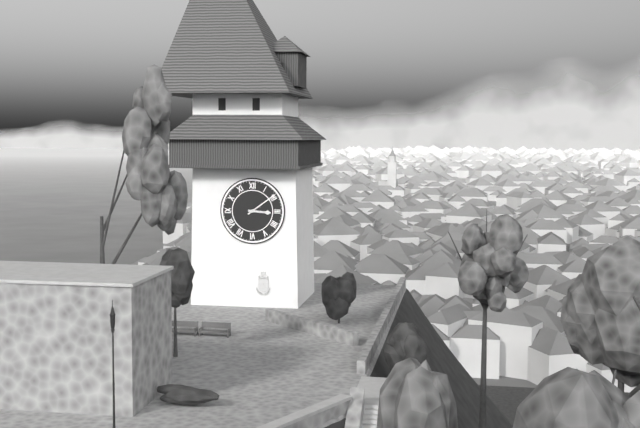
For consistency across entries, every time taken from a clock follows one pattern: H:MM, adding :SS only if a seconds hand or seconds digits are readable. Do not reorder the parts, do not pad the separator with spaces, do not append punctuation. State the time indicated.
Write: 3:09
